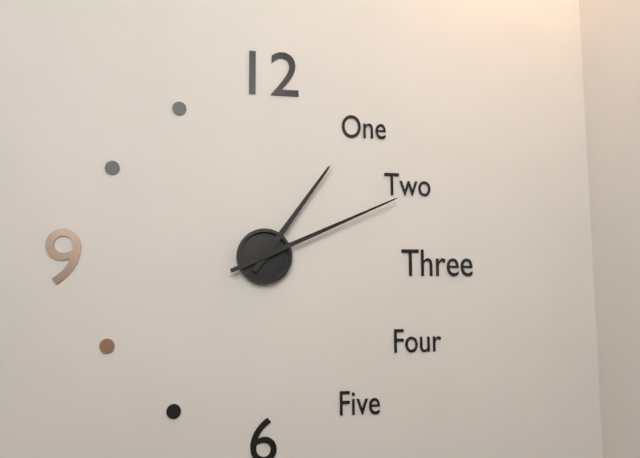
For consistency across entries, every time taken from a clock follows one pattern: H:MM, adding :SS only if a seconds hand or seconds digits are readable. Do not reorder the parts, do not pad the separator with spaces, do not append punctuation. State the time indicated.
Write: 1:11
